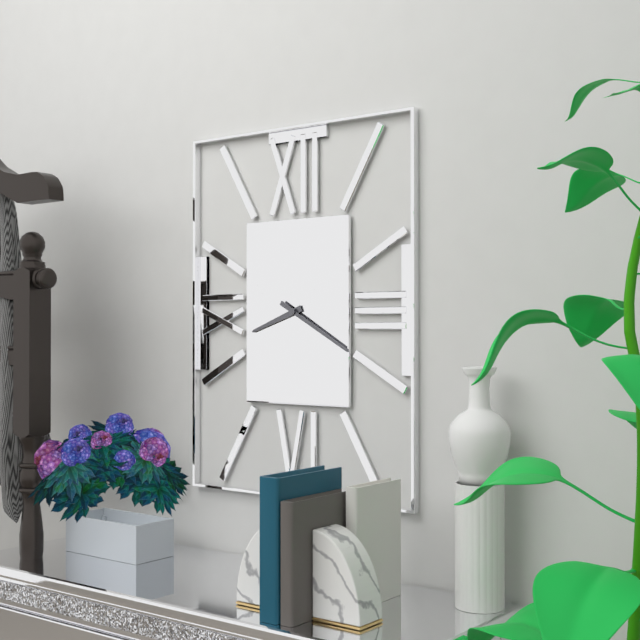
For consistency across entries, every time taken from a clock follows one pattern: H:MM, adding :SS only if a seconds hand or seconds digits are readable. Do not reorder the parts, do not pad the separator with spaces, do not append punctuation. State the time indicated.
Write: 8:20
